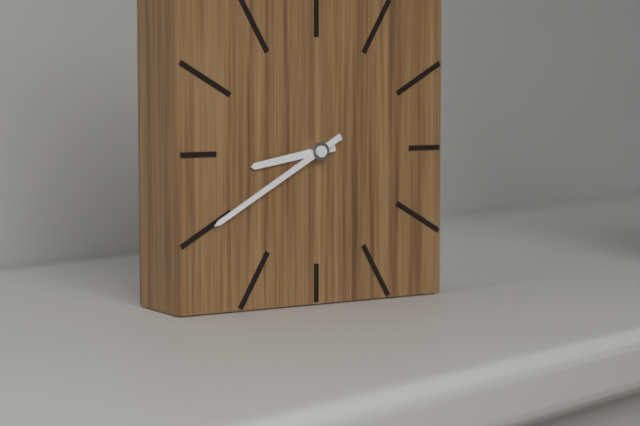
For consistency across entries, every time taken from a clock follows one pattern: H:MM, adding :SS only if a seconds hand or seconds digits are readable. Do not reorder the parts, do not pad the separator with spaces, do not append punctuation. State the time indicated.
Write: 8:40
